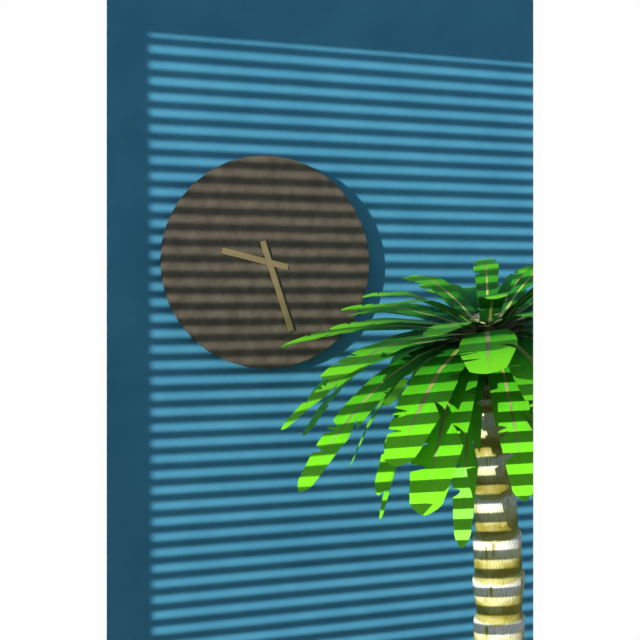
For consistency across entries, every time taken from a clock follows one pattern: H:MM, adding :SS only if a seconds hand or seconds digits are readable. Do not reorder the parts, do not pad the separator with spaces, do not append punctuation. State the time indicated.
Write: 9:27
